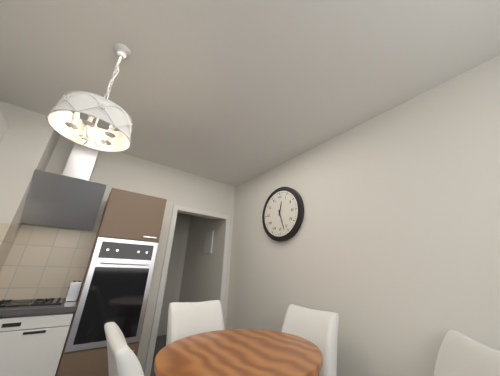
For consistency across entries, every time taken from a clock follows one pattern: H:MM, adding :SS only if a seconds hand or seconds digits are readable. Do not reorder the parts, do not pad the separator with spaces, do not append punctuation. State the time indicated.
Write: 12:27
